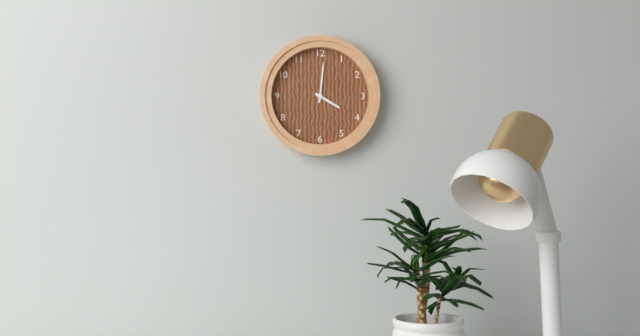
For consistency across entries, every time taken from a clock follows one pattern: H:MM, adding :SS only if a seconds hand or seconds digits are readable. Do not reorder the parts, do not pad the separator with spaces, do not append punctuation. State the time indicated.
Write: 4:01
